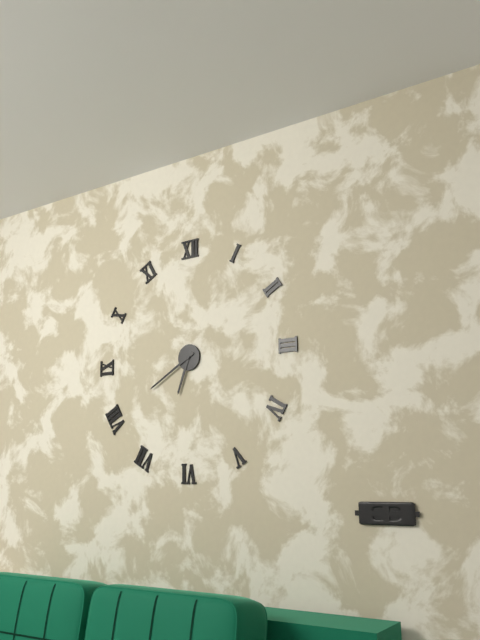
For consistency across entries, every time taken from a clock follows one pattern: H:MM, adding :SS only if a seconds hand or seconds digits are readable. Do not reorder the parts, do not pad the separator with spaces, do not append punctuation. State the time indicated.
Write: 6:40
